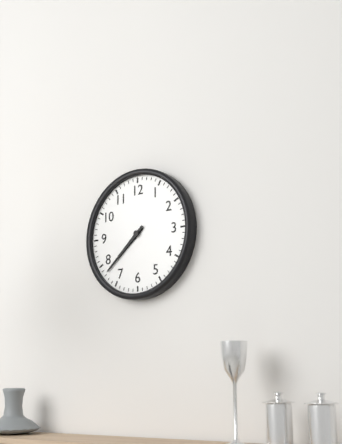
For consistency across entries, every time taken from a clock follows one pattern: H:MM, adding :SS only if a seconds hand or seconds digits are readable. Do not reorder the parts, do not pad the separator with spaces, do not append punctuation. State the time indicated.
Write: 7:38
